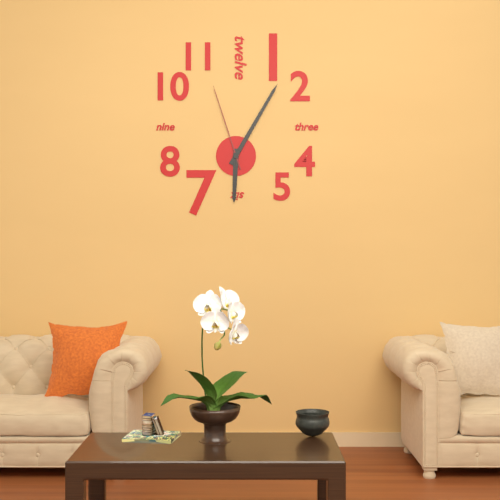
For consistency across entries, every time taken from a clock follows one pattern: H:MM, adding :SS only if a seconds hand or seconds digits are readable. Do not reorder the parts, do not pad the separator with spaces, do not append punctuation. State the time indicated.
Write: 6:05:57
